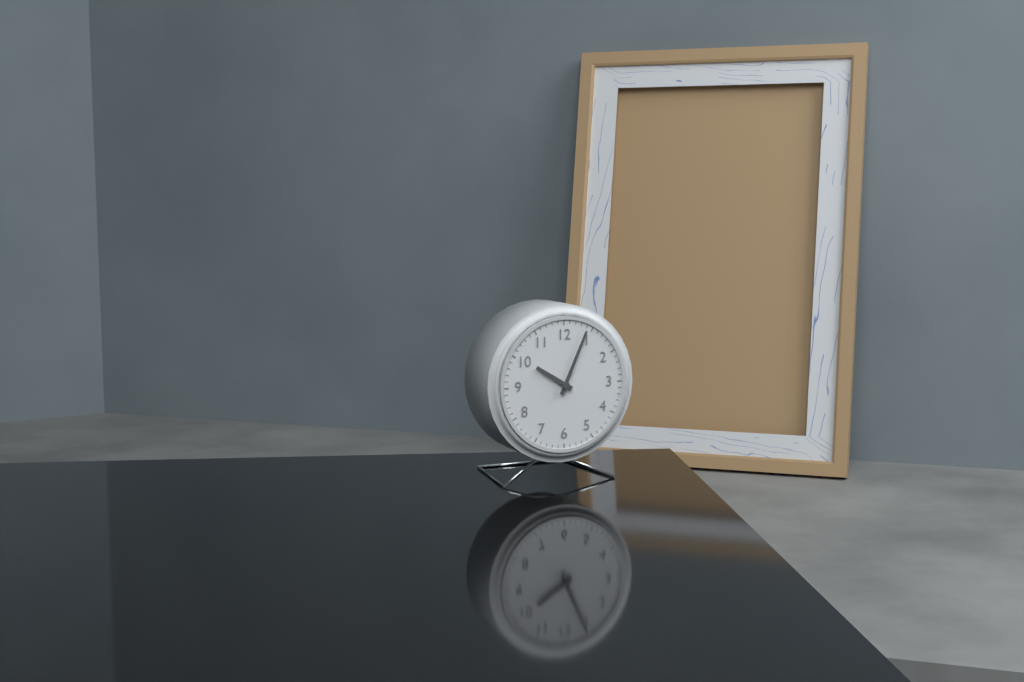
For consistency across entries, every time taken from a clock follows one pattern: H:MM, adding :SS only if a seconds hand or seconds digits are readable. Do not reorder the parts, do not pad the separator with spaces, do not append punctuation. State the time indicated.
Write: 10:04
